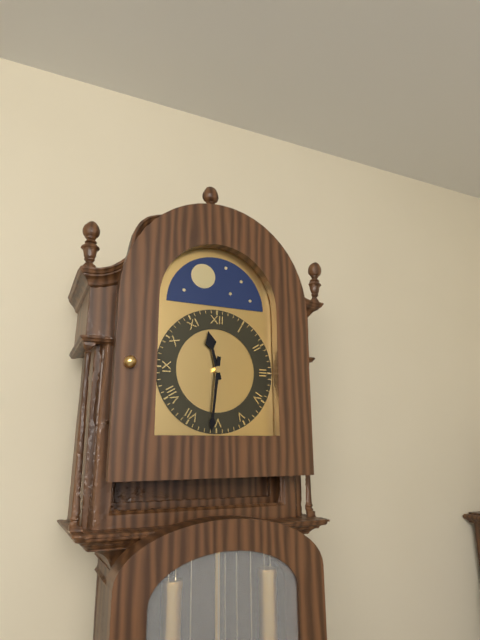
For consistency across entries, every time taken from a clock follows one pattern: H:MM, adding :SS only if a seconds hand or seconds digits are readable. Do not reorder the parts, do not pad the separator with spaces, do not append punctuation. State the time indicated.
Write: 11:31
